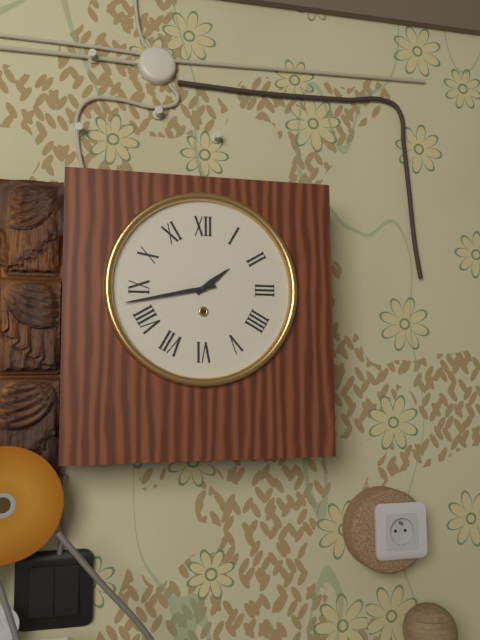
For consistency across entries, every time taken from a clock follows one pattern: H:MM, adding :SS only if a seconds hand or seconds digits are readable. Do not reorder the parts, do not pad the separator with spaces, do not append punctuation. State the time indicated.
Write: 1:43
